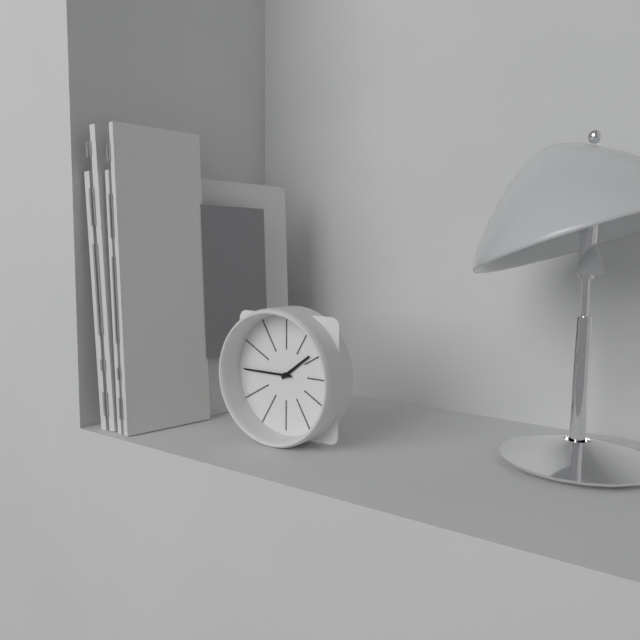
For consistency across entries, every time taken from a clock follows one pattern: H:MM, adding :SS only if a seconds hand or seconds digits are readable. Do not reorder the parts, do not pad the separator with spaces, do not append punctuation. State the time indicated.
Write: 1:45
